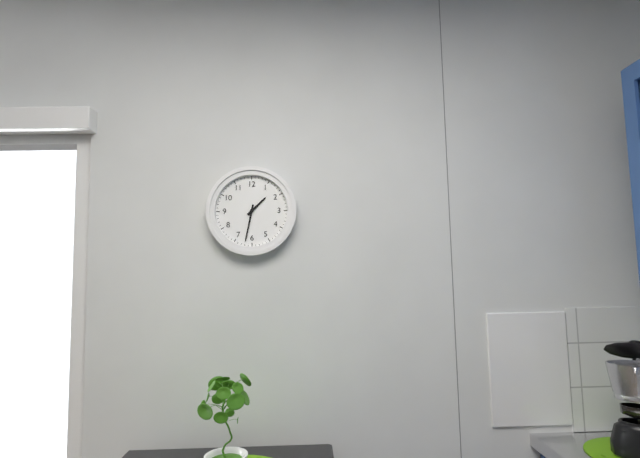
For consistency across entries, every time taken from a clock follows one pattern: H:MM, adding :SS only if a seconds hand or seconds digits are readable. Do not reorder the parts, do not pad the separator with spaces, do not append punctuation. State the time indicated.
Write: 1:32
